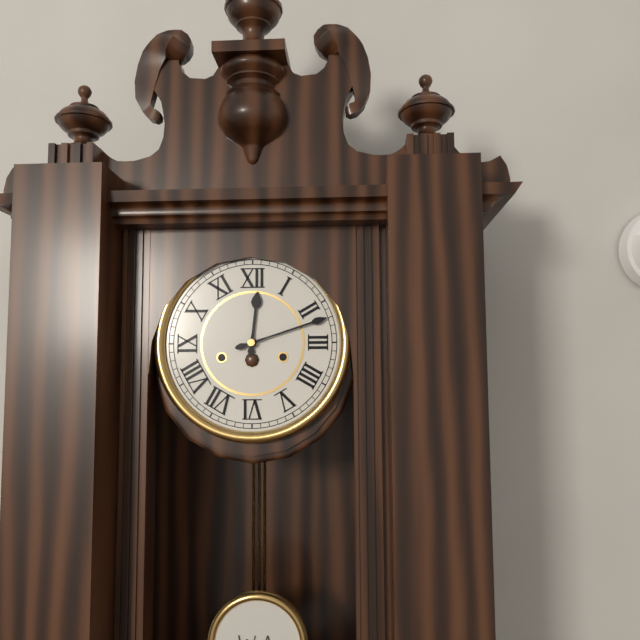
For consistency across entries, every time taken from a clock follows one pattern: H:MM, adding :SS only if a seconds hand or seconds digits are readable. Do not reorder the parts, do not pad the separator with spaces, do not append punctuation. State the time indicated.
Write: 12:12
